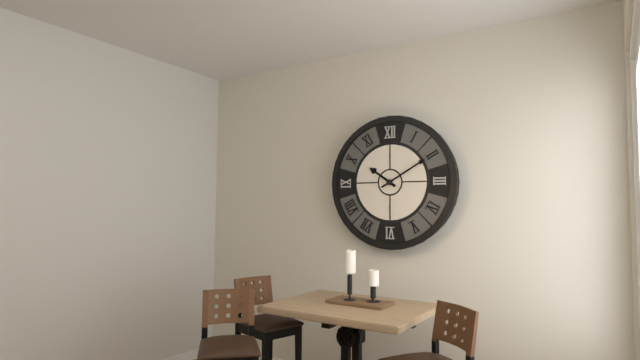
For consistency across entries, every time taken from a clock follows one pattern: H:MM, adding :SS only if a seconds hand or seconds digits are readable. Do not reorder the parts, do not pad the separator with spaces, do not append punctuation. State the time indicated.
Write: 10:10
